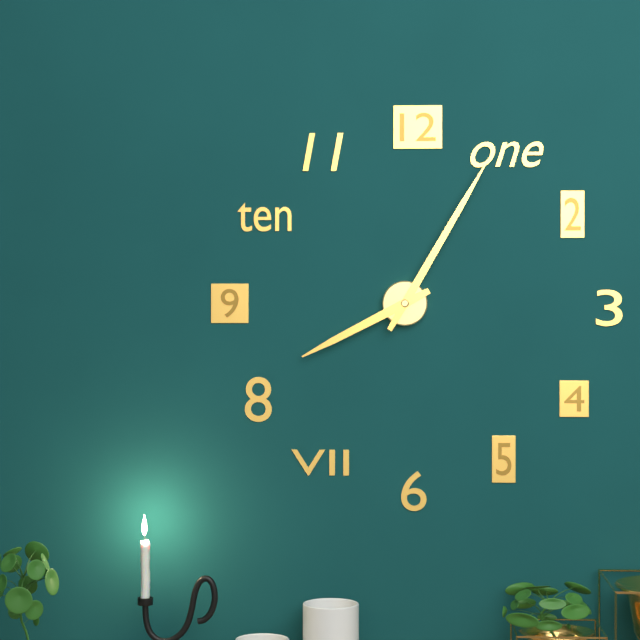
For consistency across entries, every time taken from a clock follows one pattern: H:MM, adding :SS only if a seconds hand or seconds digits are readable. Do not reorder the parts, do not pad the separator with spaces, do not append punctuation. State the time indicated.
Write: 8:05
